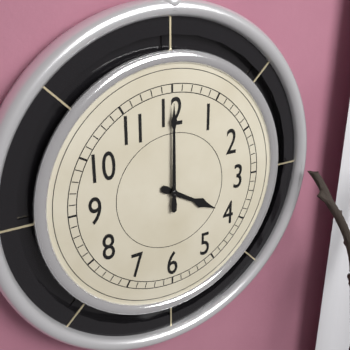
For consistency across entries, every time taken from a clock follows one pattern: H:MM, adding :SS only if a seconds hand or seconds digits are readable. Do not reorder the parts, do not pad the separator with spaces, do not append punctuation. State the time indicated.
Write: 4:00
